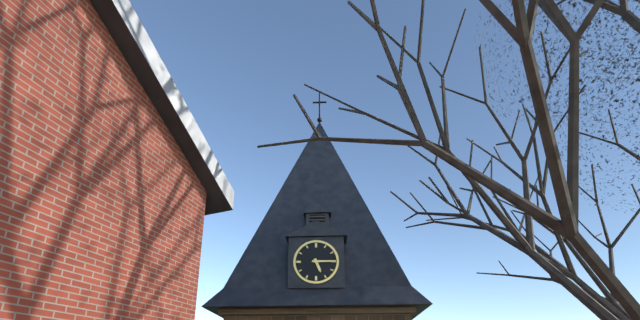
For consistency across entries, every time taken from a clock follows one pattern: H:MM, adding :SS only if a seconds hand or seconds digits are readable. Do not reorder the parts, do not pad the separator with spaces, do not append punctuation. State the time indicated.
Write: 5:15
